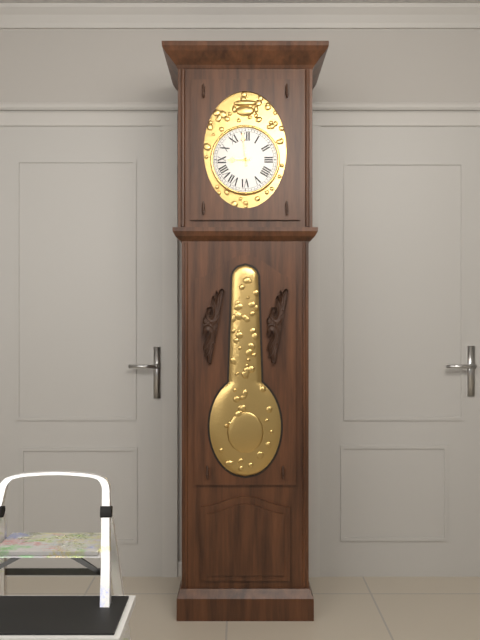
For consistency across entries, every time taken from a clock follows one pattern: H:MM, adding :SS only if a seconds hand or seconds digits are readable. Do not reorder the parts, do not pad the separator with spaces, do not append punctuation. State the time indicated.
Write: 8:59
